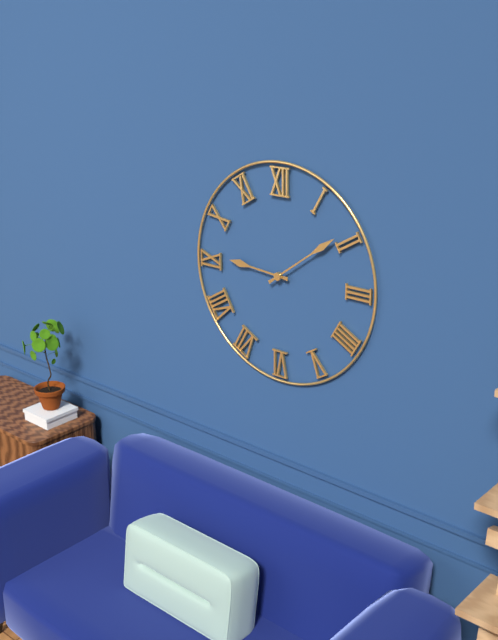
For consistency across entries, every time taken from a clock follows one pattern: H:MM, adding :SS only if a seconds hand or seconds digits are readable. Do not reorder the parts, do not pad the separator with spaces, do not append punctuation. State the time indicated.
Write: 9:09
